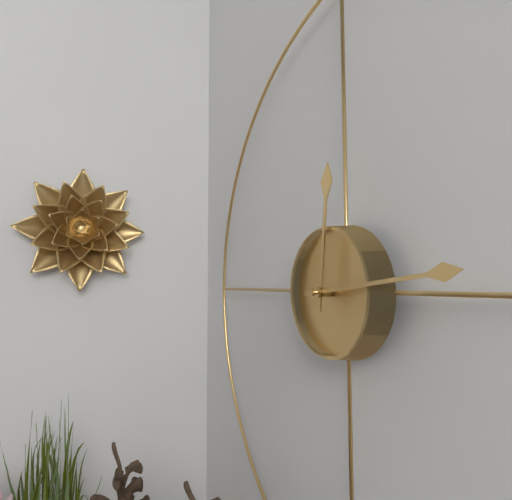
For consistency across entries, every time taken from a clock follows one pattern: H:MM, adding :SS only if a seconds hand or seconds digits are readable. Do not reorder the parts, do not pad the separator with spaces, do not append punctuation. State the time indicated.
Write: 12:14
